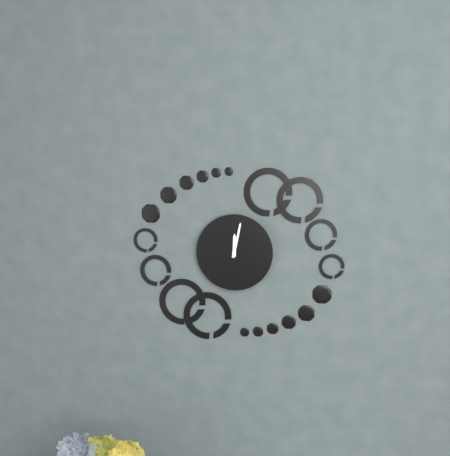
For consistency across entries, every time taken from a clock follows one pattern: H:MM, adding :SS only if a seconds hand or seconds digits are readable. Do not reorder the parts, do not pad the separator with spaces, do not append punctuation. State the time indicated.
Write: 12:02
